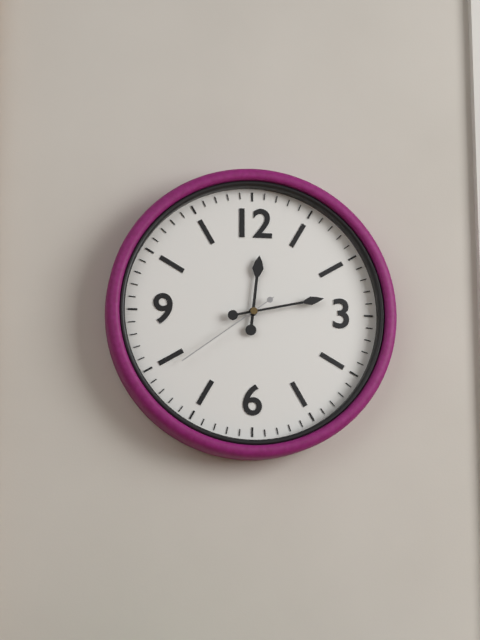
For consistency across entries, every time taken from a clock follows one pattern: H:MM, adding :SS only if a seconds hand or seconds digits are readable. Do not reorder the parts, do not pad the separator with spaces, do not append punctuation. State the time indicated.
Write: 12:13:39
